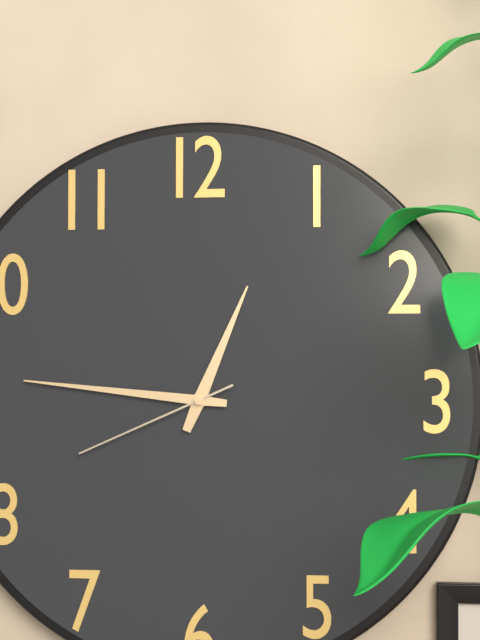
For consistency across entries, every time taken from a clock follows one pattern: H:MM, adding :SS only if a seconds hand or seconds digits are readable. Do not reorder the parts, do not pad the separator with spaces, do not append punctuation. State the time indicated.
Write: 12:46:41
